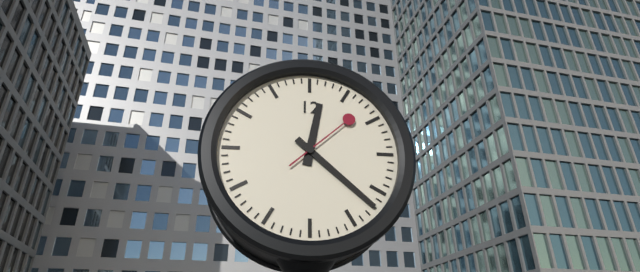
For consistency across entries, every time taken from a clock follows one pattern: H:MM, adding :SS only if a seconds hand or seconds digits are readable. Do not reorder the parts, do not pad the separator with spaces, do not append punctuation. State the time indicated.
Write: 12:22:08
